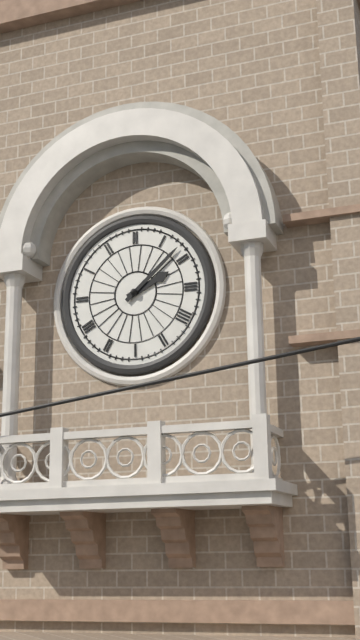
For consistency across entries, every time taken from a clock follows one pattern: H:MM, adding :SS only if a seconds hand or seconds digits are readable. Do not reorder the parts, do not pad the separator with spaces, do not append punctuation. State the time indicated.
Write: 2:08
